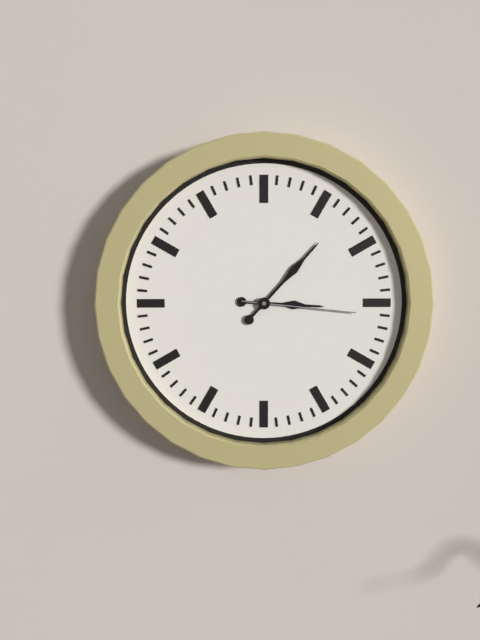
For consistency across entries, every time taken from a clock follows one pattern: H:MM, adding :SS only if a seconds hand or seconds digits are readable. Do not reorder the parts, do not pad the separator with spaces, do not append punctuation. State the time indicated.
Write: 3:07:16
